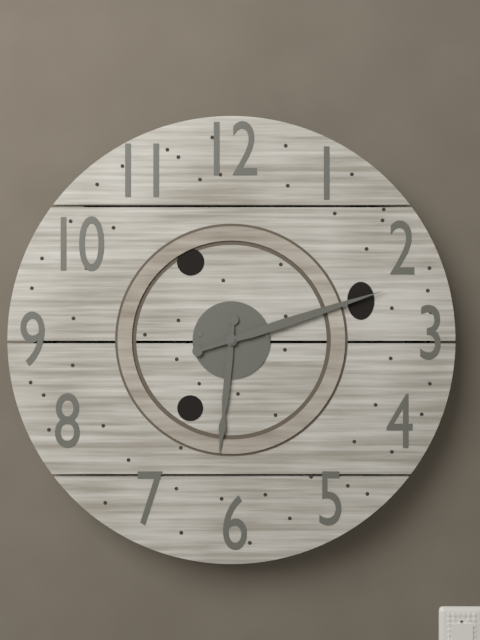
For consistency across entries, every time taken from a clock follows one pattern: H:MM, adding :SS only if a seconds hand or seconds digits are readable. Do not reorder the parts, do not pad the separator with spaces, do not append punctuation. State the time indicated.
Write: 6:12
